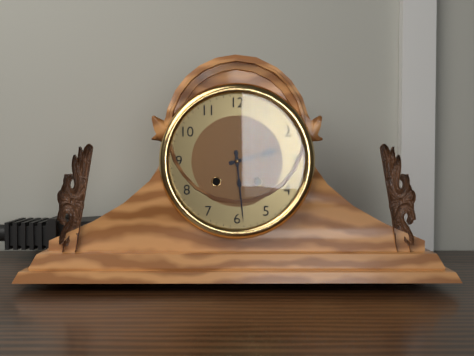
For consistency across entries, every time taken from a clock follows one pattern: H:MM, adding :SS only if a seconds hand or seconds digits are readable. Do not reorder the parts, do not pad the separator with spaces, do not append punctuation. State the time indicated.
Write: 2:29
